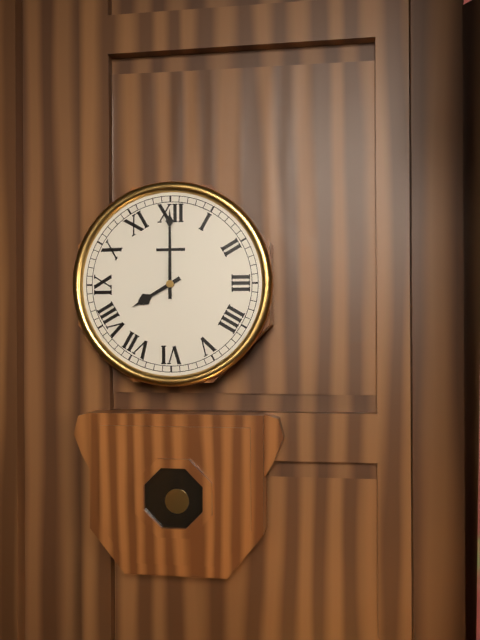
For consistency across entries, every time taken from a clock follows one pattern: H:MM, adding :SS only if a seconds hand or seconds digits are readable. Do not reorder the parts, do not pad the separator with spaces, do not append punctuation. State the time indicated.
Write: 8:00
